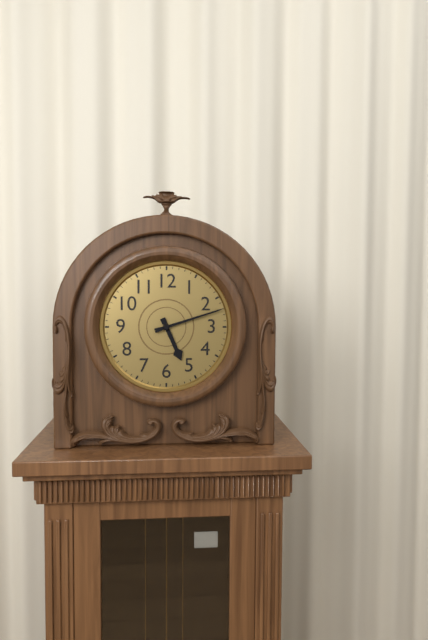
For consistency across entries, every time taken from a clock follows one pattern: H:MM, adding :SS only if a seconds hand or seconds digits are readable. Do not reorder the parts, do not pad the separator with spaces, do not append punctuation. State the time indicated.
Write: 5:12
